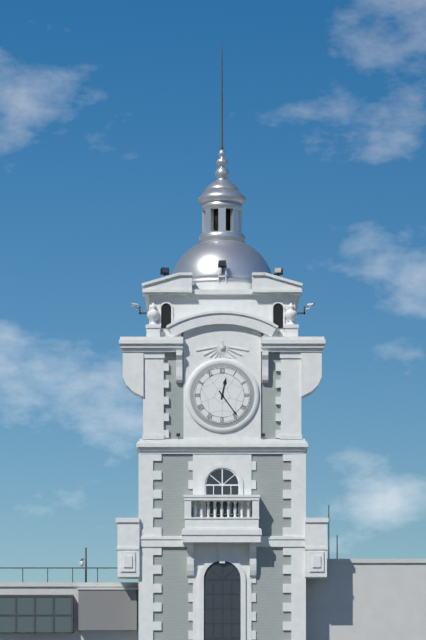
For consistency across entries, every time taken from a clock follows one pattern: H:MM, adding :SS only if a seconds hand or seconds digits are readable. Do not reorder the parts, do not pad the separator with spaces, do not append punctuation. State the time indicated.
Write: 12:24
